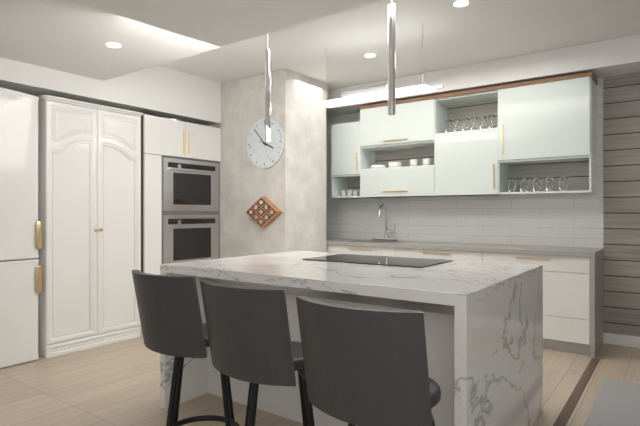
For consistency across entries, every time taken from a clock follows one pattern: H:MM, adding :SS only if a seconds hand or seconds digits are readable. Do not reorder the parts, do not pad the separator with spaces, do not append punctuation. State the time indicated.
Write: 3:53
